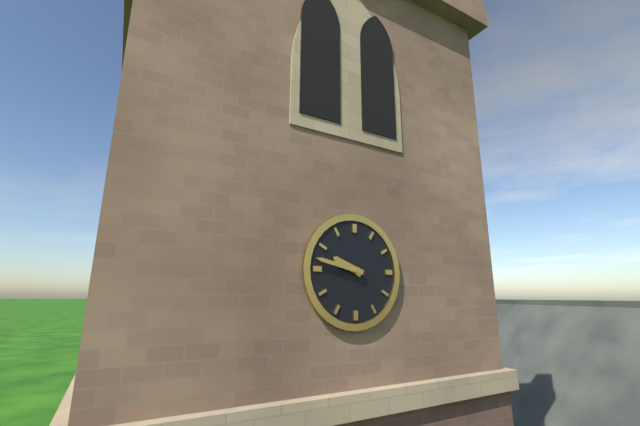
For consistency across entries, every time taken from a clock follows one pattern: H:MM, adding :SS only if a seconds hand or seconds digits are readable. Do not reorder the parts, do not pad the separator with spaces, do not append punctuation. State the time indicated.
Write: 9:47
